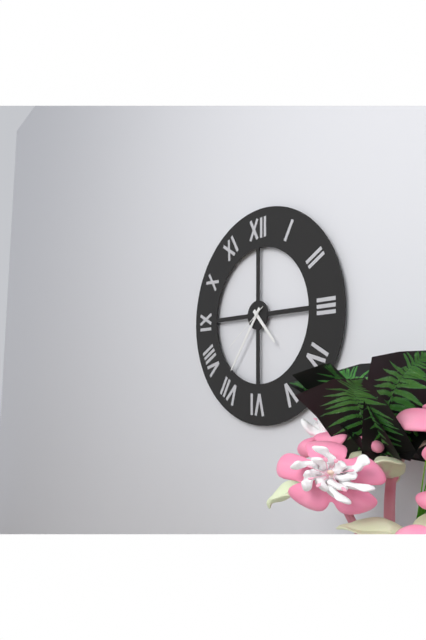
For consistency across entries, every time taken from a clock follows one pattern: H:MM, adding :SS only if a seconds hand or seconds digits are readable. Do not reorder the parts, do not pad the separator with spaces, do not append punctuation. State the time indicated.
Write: 4:36:39
